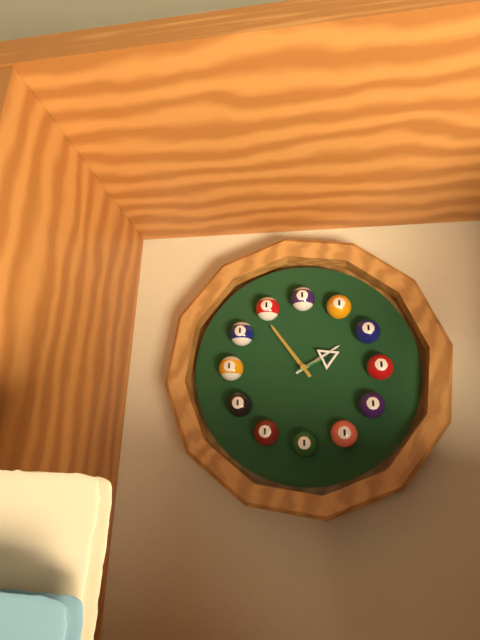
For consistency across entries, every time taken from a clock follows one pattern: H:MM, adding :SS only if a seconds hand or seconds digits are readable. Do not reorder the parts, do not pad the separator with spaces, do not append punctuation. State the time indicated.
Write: 1:54:11
